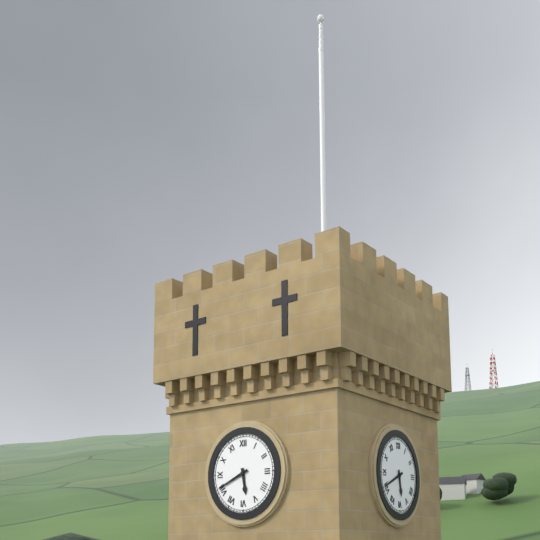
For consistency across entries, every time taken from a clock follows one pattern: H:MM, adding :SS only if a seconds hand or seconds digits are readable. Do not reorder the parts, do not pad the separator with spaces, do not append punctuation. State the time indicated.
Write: 5:41
